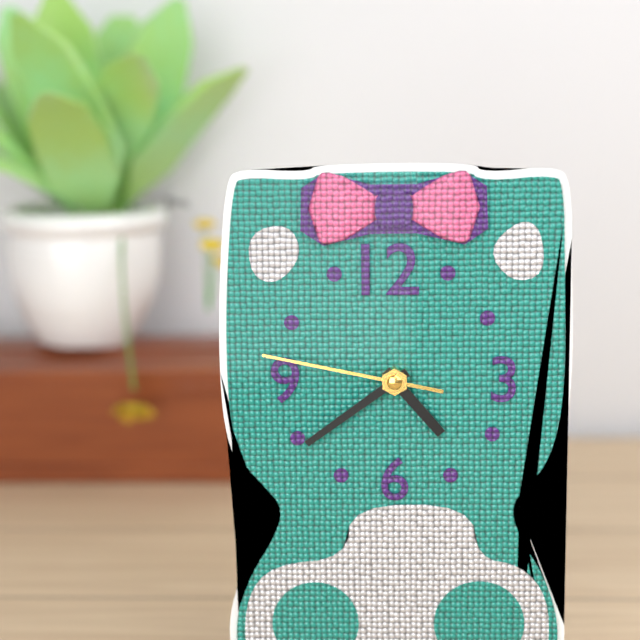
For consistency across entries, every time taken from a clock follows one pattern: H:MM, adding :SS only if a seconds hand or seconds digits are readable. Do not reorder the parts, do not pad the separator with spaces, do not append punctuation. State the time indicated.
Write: 4:39:47
